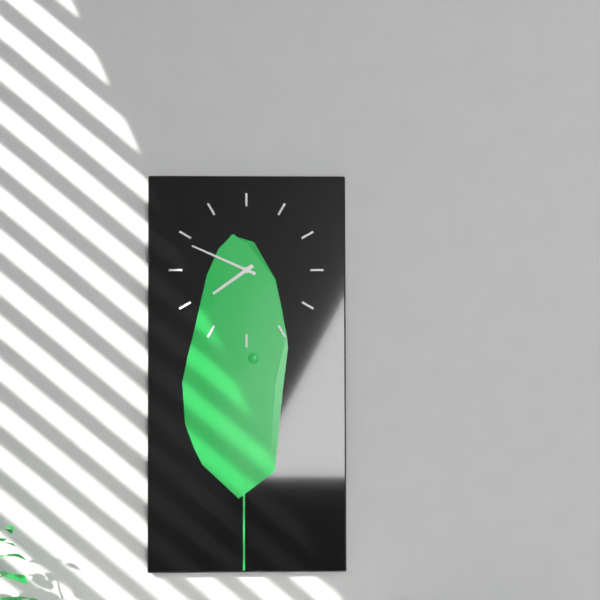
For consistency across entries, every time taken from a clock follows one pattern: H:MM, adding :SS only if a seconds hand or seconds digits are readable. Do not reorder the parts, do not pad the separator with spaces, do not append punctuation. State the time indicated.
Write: 7:49
